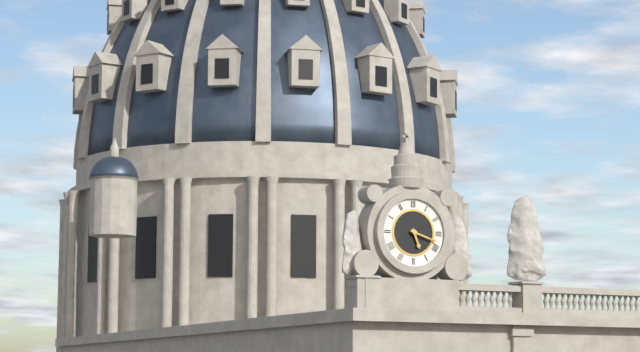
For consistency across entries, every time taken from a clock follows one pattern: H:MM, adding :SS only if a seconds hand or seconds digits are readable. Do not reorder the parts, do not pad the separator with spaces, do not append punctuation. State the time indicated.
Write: 5:18
